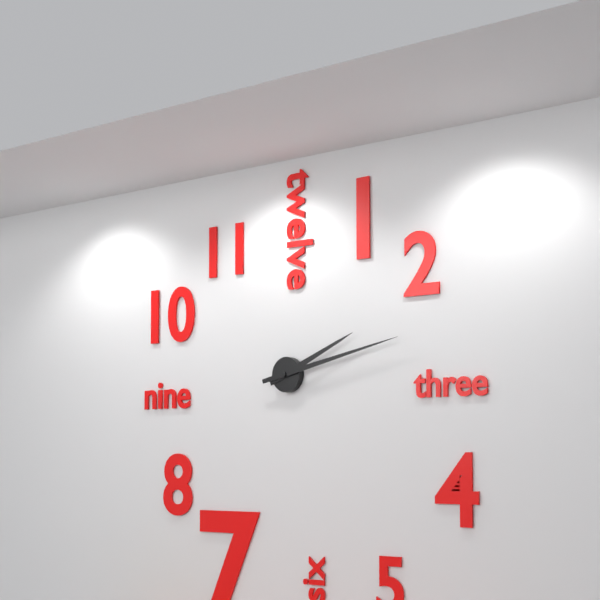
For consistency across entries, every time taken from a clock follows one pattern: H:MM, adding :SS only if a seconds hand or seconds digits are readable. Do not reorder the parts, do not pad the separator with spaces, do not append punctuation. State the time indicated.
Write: 2:13
